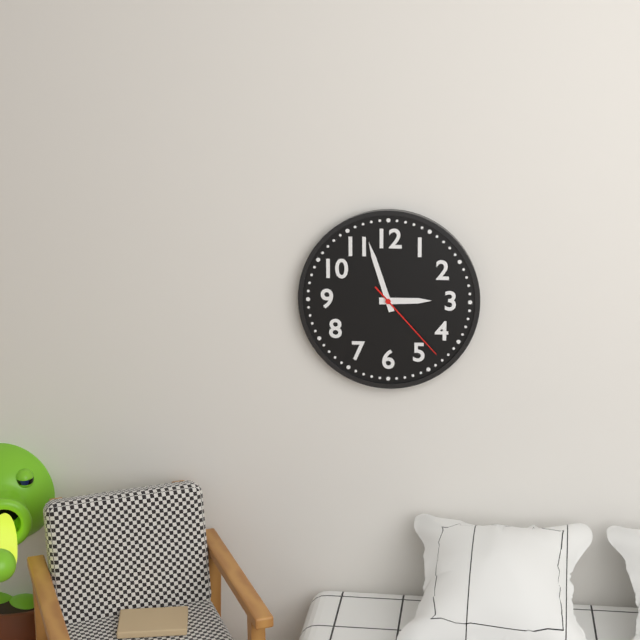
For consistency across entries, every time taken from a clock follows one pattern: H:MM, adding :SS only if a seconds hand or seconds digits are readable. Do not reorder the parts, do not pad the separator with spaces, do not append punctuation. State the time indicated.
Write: 2:57:23
